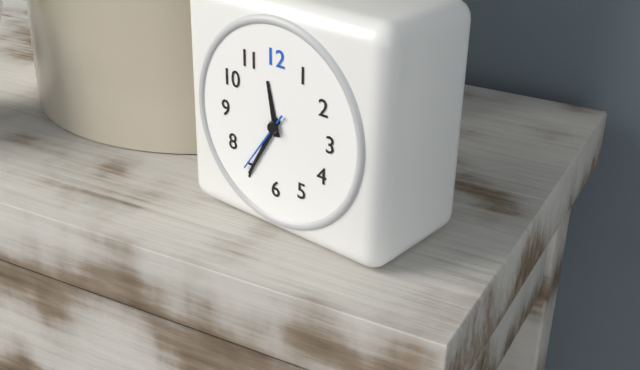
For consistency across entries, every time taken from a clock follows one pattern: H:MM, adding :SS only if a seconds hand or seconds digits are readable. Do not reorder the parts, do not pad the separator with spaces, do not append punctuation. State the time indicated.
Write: 11:35:36
